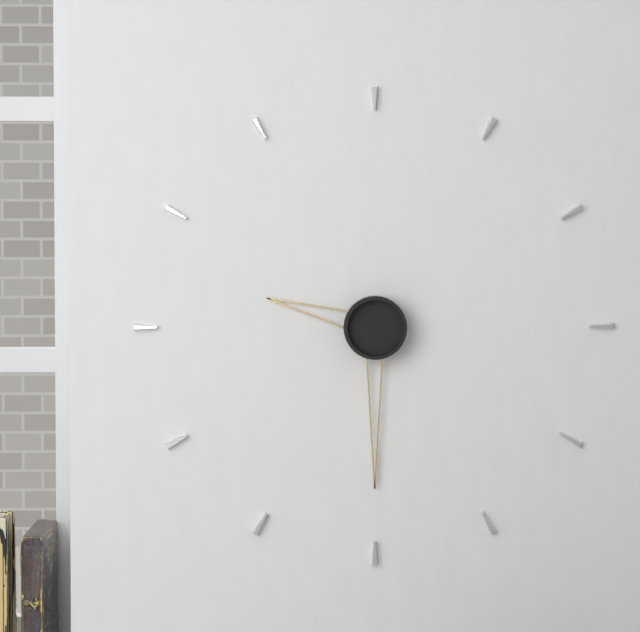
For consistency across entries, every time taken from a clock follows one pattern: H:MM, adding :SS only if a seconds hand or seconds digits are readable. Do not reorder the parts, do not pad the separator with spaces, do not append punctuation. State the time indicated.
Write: 9:30
